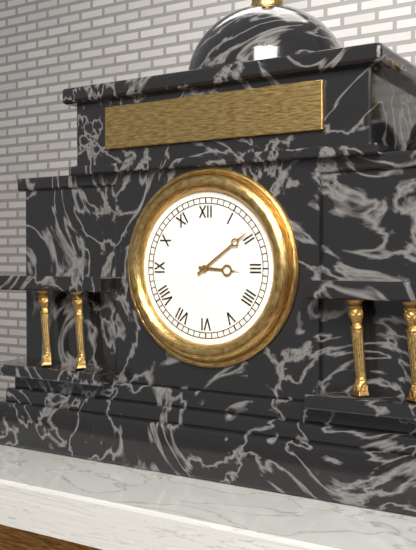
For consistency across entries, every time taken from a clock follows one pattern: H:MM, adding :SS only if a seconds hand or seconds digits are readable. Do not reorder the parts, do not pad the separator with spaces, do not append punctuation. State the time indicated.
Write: 3:09
